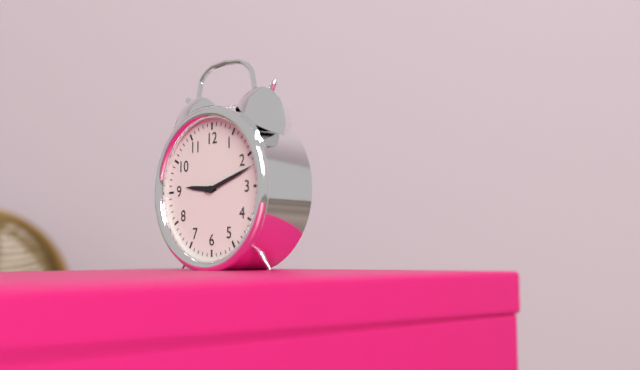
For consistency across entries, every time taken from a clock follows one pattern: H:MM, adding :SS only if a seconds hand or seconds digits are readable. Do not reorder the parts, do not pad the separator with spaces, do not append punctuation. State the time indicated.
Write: 9:12
